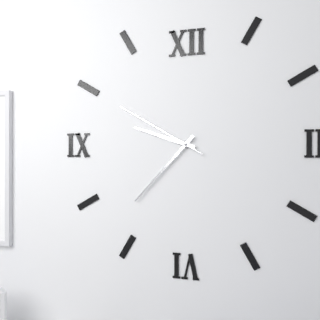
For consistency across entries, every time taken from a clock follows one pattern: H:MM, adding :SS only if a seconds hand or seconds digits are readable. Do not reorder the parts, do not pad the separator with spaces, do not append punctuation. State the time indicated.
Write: 9:37:50
